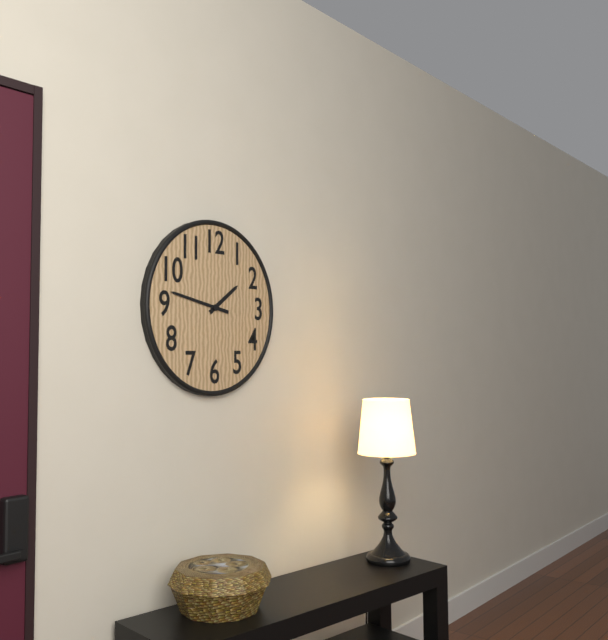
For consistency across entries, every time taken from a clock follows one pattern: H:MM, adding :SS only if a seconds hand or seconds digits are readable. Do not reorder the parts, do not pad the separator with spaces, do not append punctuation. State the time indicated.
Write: 1:47
